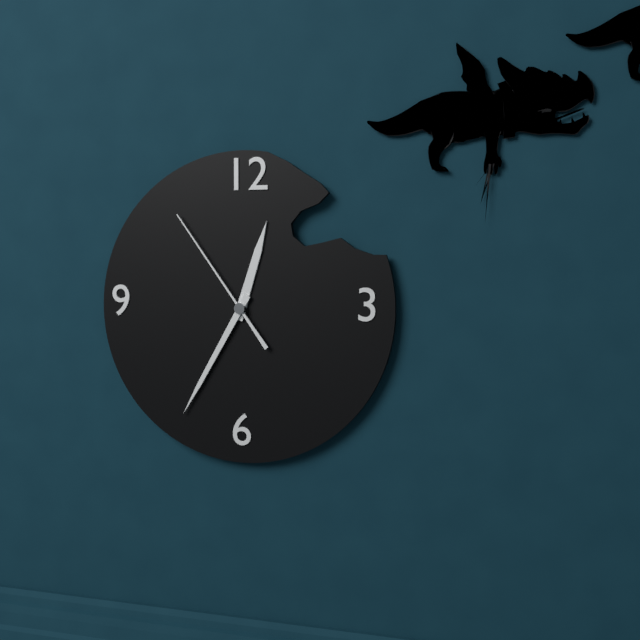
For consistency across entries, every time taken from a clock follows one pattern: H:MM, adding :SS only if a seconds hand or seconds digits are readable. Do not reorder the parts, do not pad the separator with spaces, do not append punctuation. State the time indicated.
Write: 12:35:54
